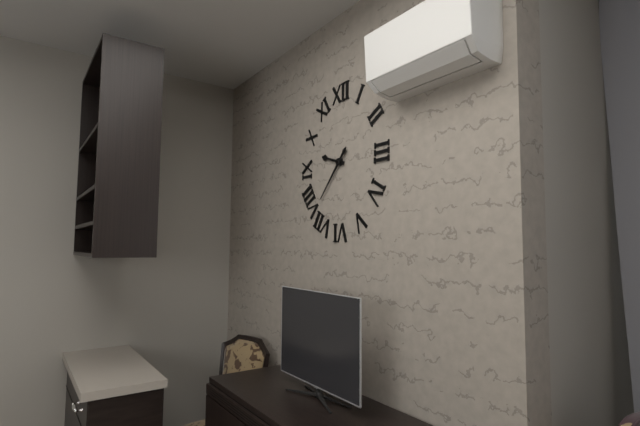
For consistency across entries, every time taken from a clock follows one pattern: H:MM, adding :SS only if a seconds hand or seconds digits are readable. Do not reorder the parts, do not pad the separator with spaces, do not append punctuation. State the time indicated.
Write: 9:37
